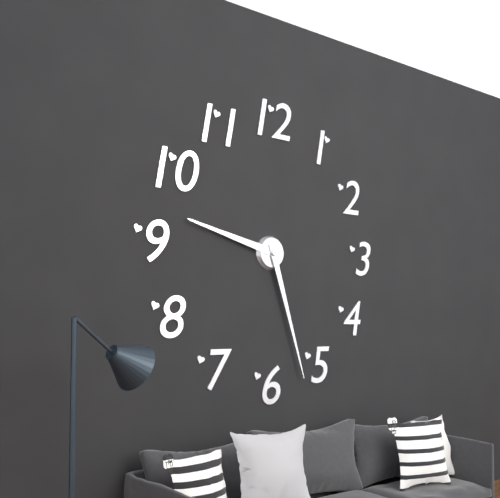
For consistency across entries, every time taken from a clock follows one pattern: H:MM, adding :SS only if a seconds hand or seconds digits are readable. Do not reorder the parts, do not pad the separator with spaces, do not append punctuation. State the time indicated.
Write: 9:27
